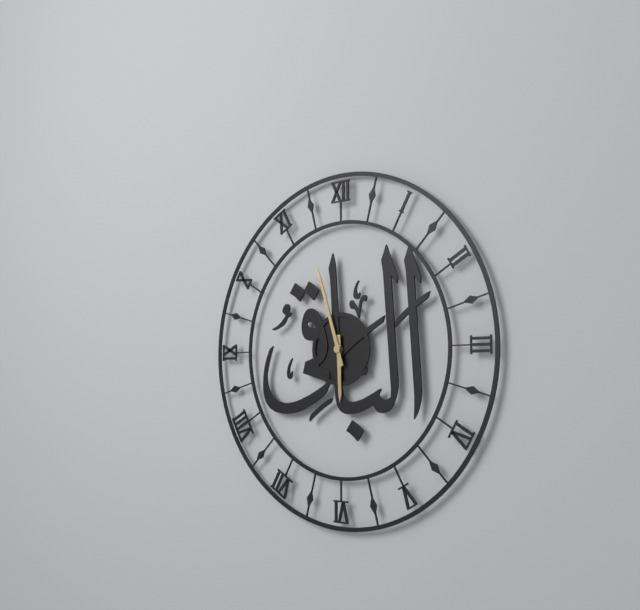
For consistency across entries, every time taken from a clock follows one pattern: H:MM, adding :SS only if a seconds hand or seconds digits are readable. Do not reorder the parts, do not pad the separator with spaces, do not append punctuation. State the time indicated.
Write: 5:57
